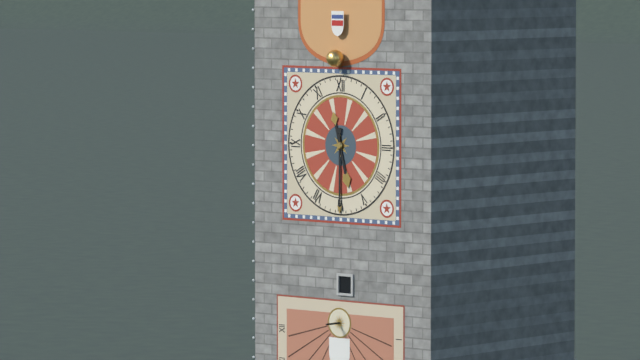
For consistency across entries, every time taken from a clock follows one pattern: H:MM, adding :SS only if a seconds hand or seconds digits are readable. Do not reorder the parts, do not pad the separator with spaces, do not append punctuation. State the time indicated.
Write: 5:30
